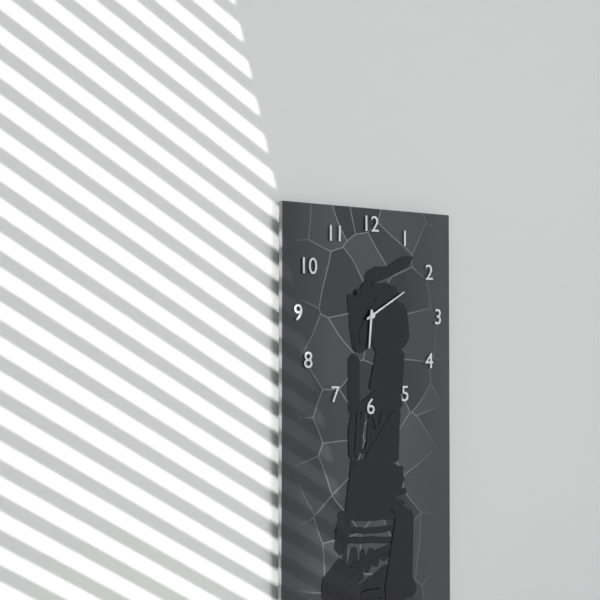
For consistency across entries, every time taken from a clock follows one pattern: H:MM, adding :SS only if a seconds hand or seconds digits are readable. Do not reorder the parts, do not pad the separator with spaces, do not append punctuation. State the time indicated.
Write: 6:10
